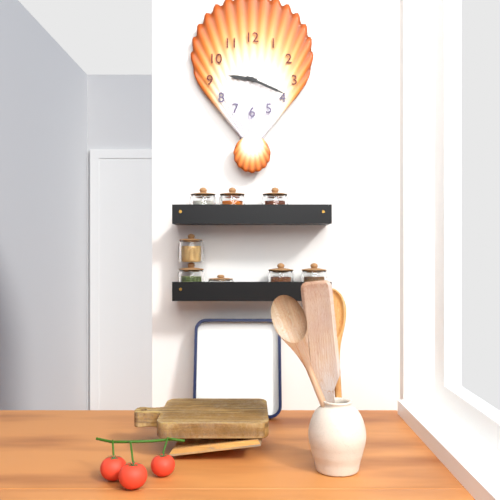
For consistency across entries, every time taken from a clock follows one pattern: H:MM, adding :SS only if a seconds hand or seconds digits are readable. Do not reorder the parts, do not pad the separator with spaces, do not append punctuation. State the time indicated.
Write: 9:19
